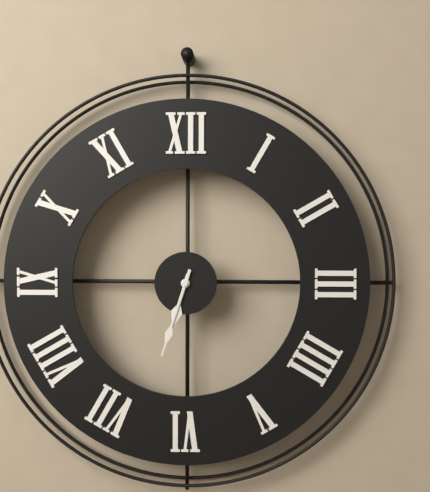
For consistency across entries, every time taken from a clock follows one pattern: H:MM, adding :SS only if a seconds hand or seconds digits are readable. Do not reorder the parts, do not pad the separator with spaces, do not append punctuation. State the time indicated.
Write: 6:33
